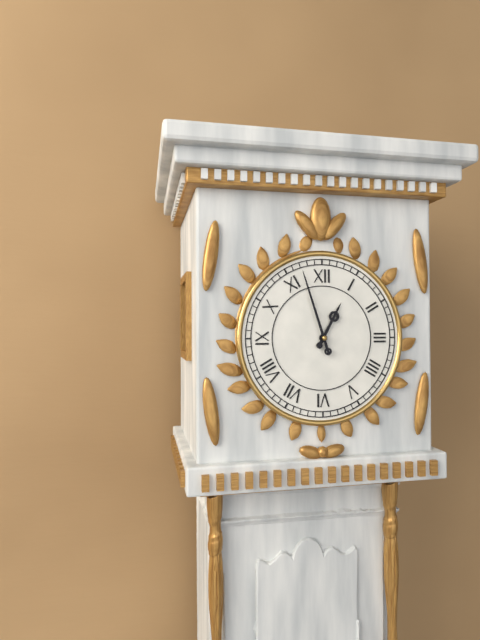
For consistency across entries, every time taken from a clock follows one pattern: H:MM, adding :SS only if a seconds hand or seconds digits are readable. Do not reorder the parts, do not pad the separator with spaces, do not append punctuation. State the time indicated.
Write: 12:57
